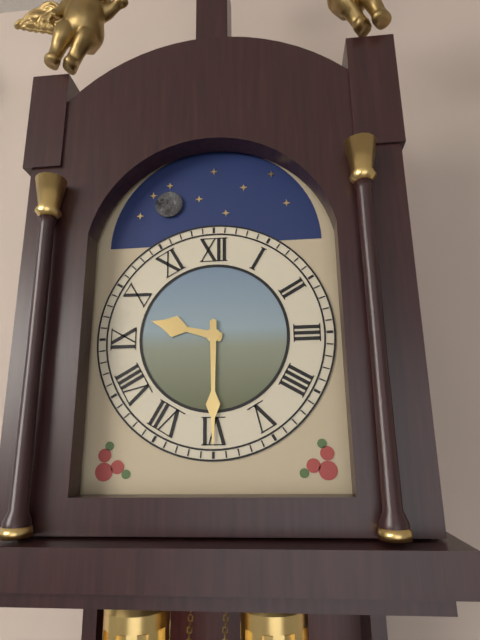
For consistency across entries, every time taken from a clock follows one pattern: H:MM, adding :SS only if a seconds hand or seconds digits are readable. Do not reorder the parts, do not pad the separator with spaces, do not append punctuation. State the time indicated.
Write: 9:30
